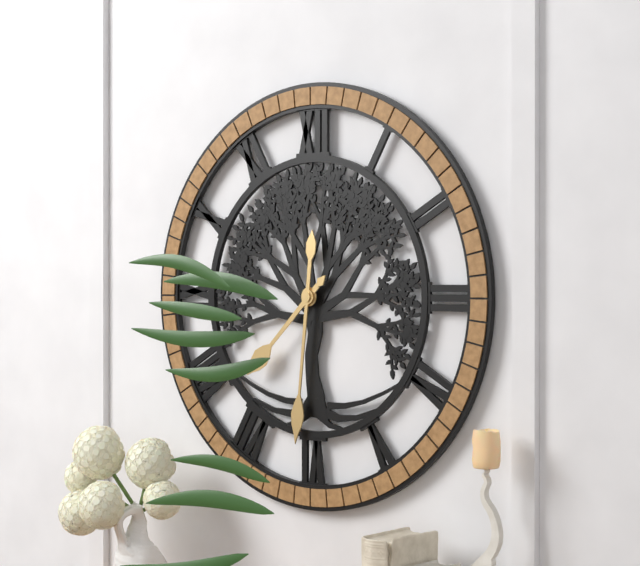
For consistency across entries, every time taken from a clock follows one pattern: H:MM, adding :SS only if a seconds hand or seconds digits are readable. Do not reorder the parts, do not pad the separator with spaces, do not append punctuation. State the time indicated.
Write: 7:31
